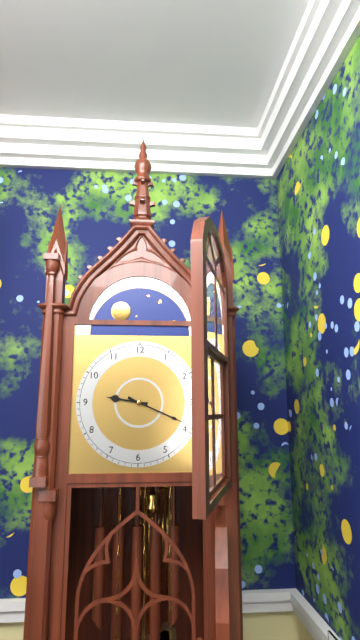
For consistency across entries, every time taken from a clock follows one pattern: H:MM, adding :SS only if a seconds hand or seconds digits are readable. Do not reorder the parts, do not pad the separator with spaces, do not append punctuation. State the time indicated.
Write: 9:19
